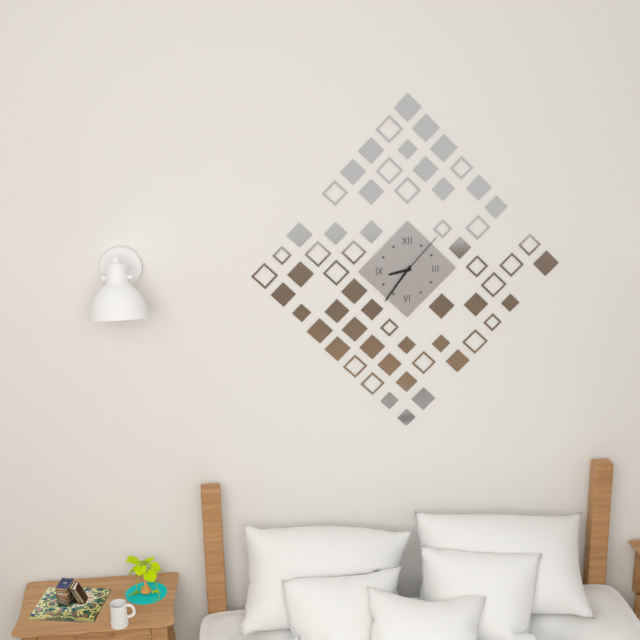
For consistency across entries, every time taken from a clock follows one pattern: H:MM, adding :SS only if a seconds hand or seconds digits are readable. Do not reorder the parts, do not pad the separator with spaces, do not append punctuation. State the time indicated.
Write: 8:36:07
